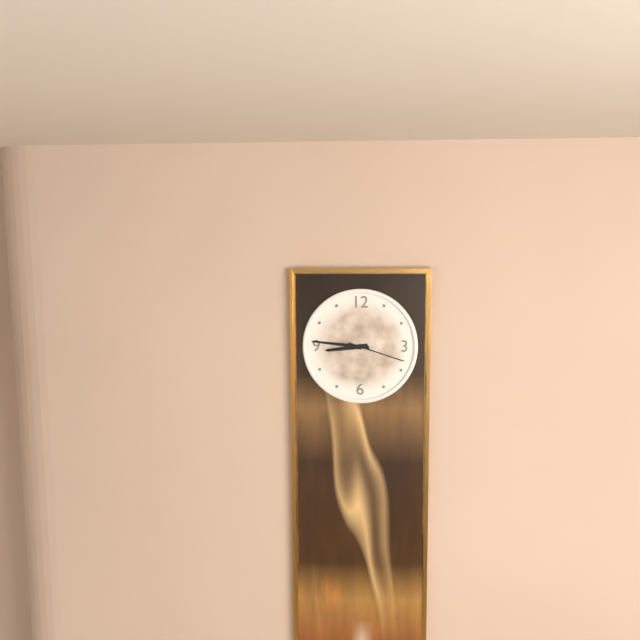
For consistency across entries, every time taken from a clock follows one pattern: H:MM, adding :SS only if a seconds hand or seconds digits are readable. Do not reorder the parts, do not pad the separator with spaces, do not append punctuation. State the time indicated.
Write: 8:46:18
